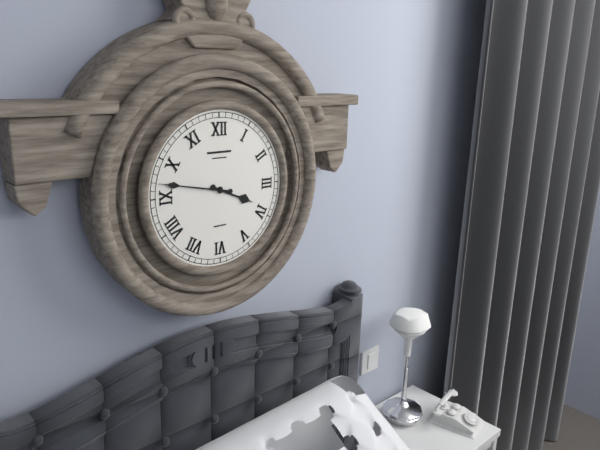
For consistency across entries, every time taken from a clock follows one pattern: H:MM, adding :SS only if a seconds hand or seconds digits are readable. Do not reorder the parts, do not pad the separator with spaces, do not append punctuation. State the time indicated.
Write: 3:47
